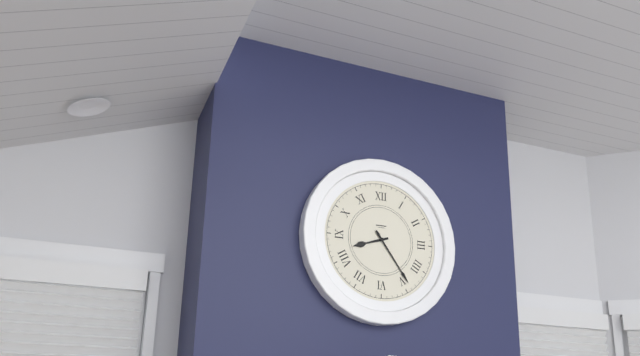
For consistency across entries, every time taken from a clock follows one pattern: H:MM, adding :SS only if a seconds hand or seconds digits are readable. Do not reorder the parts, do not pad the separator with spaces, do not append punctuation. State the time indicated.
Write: 8:24
